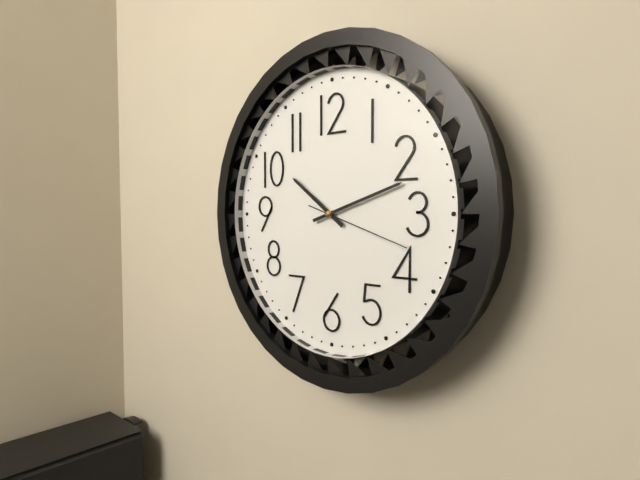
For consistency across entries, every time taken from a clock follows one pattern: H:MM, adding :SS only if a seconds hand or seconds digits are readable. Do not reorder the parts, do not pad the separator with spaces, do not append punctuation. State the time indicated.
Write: 10:12:18
